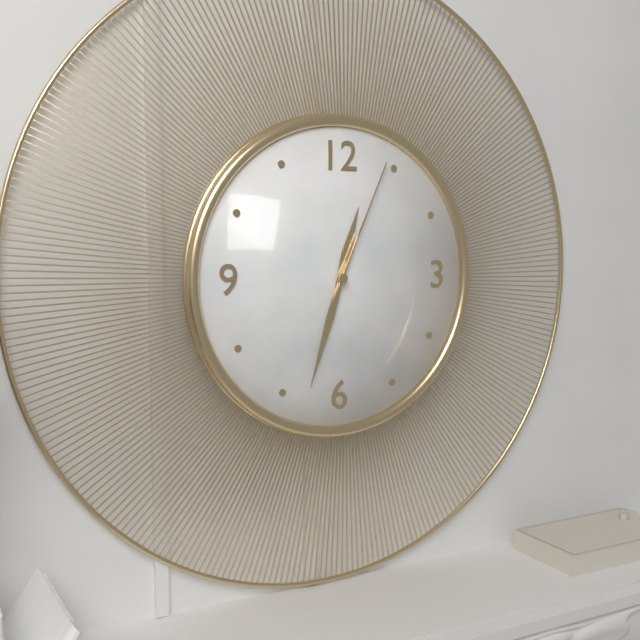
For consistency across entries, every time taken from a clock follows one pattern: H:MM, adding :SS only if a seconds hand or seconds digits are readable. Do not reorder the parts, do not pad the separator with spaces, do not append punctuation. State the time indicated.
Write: 12:33:04
